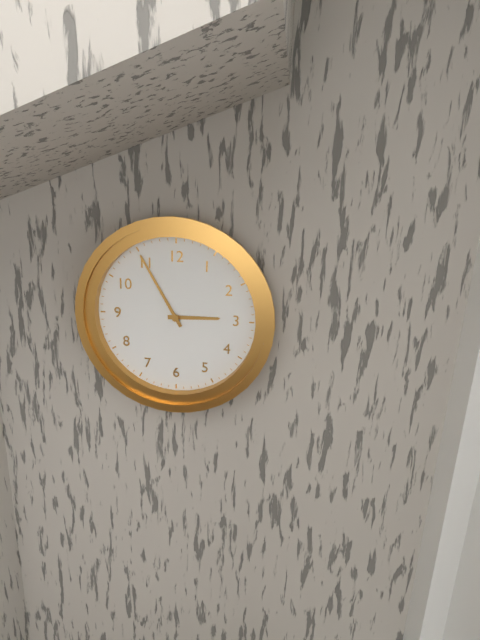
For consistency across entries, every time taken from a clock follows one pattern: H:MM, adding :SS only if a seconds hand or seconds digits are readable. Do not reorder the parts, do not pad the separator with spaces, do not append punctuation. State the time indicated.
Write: 2:55
